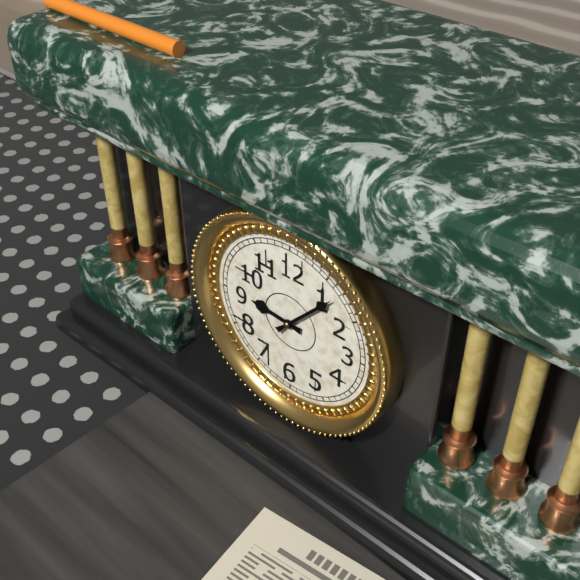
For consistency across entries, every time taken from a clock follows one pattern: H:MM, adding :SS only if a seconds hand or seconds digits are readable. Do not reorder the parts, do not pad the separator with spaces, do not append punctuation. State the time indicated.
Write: 9:07
